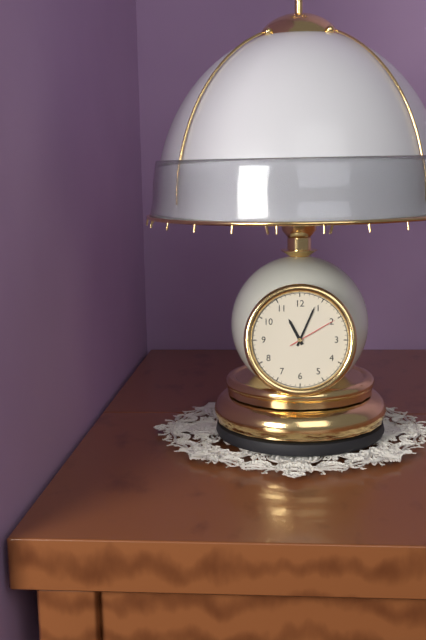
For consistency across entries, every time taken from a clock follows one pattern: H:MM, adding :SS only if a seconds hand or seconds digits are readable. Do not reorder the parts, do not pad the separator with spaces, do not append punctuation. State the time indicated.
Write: 11:04:10
